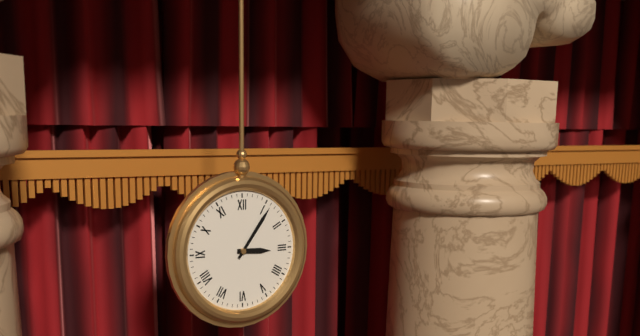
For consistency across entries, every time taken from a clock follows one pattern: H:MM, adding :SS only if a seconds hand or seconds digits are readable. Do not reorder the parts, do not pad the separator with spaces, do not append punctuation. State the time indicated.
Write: 3:06
